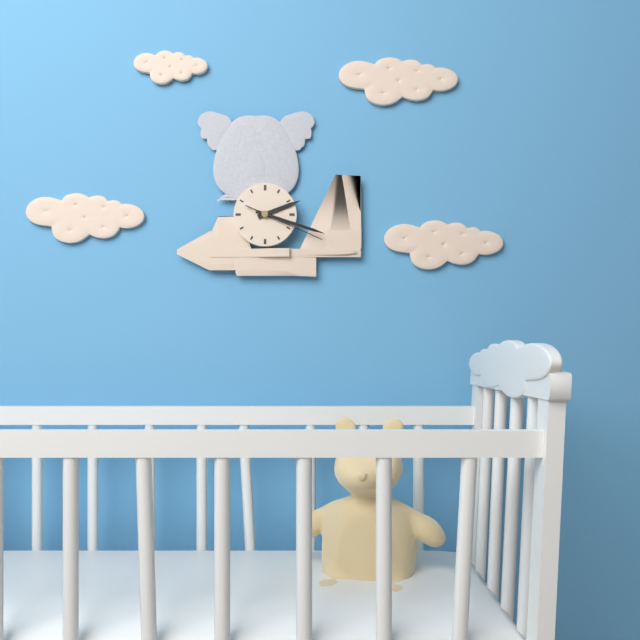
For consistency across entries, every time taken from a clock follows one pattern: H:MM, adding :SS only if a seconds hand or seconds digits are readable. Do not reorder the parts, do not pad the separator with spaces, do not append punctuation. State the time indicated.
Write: 2:18:19
